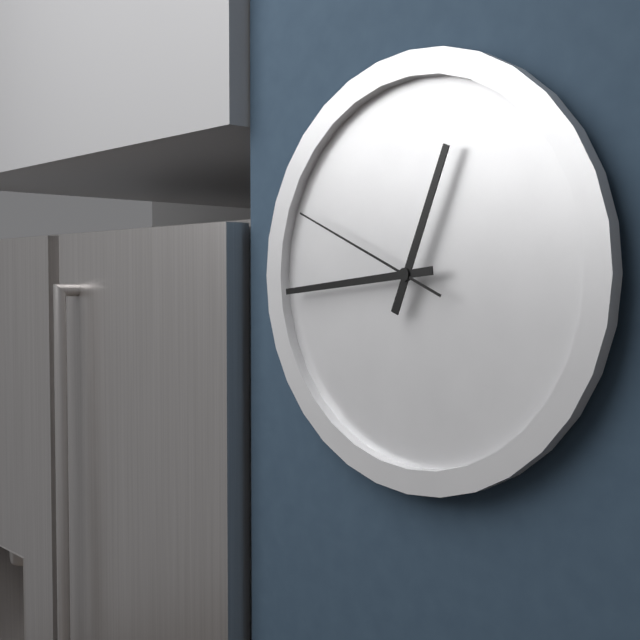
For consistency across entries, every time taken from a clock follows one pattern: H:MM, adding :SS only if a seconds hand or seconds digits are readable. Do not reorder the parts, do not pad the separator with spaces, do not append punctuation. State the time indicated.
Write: 12:44:49
